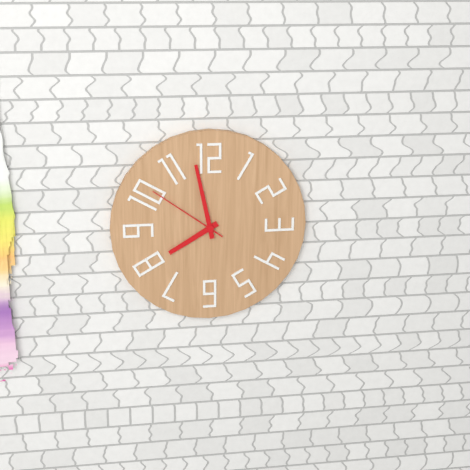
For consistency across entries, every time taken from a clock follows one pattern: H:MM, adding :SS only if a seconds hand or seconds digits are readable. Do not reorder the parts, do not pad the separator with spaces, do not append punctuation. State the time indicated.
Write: 7:58:51
